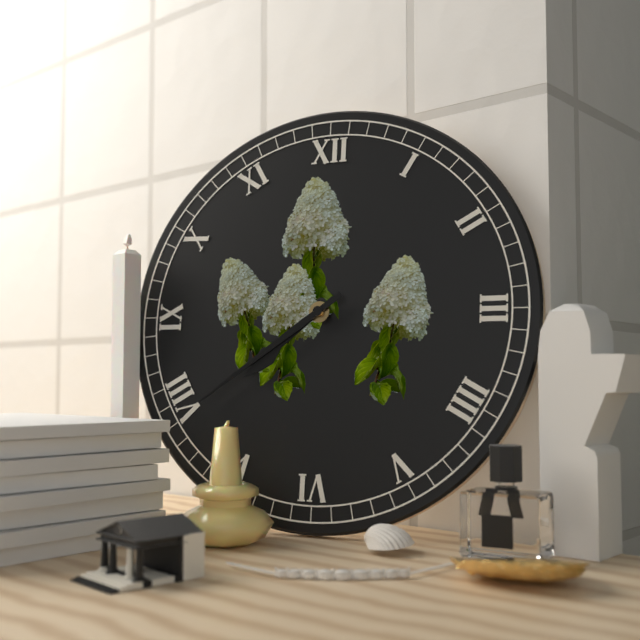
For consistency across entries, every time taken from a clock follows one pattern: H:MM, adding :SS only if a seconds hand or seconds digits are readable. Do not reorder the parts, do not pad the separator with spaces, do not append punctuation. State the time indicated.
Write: 7:39
